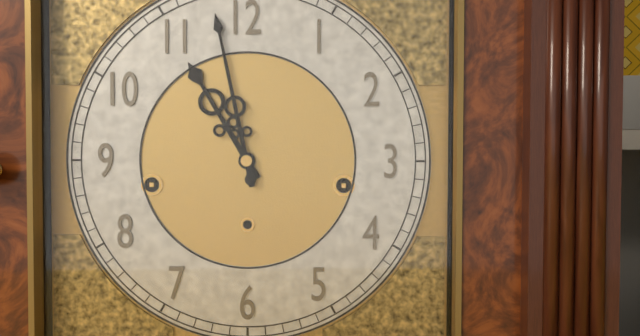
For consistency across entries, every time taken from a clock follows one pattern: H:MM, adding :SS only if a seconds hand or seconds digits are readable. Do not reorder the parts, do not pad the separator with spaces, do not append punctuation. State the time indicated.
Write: 10:58
